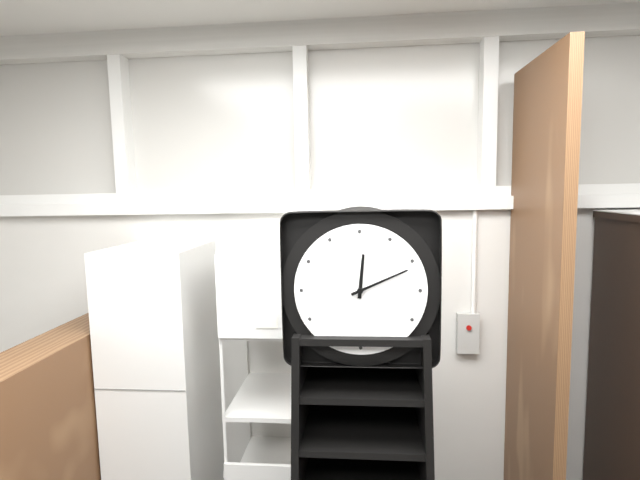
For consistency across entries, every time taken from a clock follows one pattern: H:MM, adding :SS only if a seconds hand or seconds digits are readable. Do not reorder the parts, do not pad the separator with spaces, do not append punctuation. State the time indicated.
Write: 12:11
